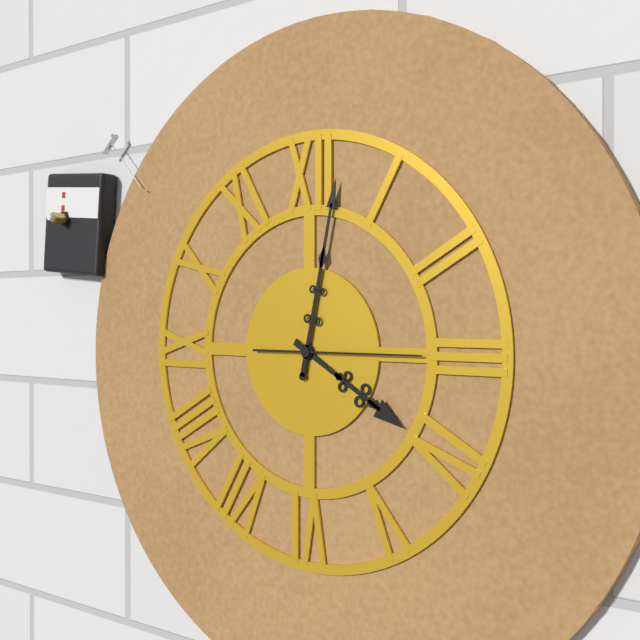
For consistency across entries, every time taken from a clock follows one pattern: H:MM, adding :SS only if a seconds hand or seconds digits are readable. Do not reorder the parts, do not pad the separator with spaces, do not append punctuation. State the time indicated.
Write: 4:02:15
